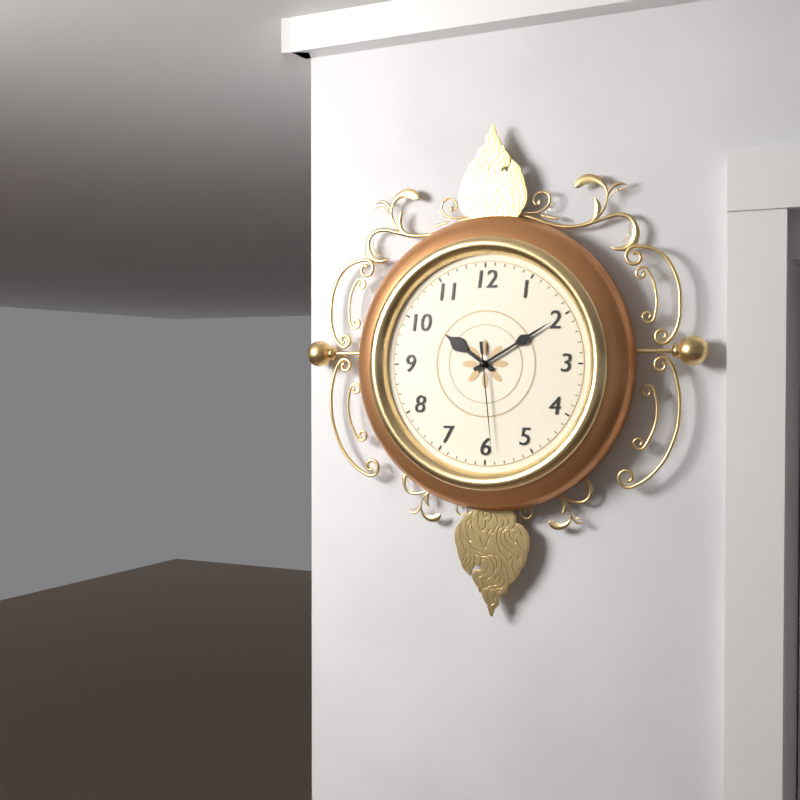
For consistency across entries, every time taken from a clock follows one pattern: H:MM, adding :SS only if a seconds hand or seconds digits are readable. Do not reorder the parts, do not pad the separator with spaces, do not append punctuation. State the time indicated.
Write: 10:10:29
